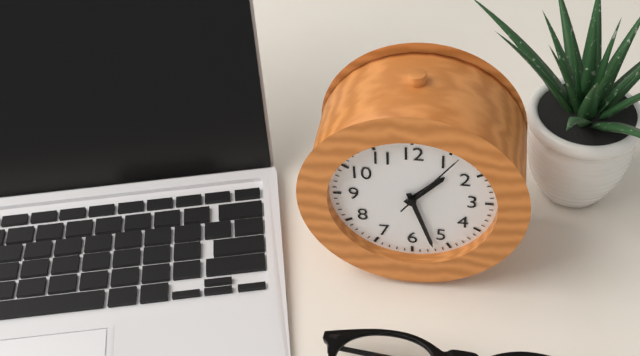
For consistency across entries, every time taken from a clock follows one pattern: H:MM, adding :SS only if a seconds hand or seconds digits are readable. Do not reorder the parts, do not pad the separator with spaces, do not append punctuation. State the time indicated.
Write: 1:27:06
